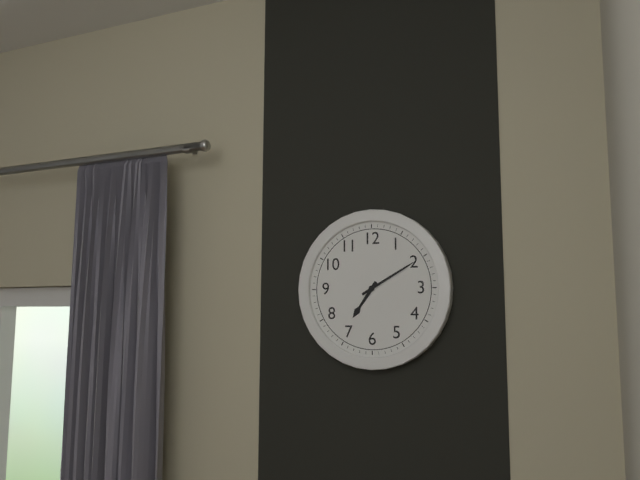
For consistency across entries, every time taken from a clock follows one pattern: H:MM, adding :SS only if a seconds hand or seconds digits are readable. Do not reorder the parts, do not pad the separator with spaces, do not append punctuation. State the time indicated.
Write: 7:10
